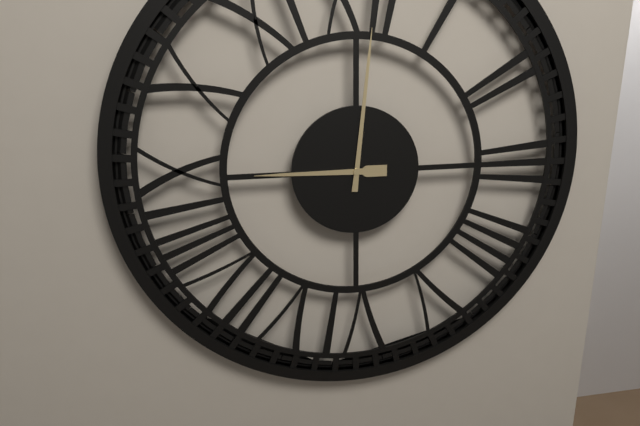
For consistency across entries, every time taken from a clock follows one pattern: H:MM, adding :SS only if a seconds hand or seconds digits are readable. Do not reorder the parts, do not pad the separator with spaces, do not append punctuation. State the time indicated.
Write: 9:01
